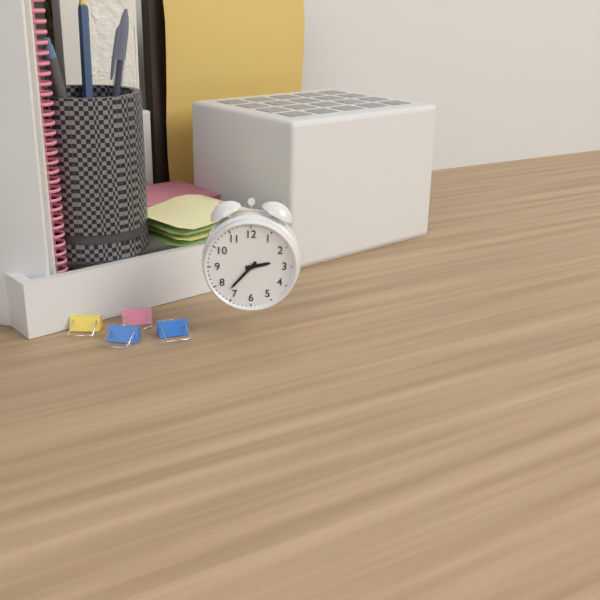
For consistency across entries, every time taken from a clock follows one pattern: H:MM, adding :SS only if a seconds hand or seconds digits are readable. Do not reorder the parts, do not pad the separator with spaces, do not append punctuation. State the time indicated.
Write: 2:37
